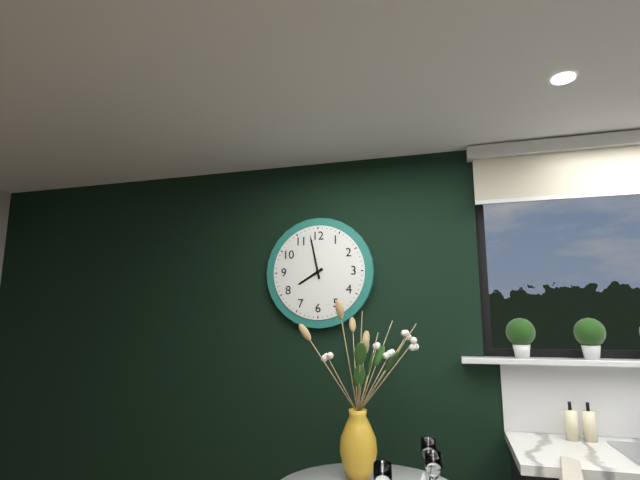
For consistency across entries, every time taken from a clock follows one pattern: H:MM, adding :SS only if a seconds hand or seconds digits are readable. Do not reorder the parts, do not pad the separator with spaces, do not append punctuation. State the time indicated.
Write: 7:58
